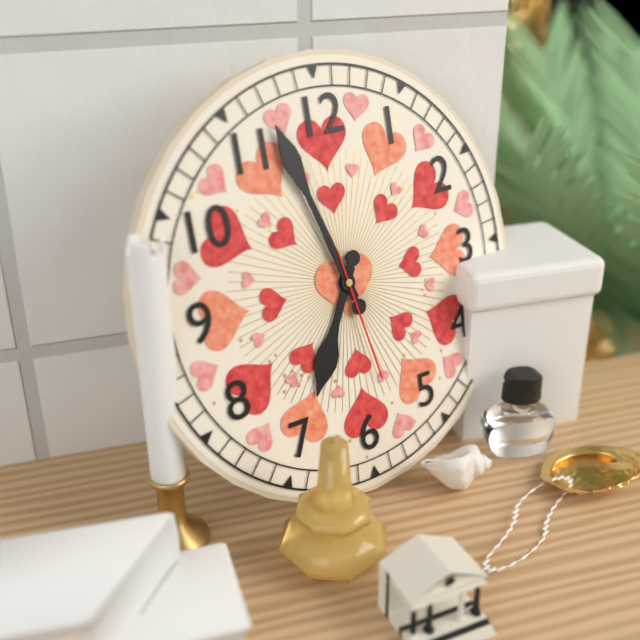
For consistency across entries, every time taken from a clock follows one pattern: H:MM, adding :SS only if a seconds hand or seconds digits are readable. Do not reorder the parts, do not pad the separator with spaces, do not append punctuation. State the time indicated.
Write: 6:57:28
